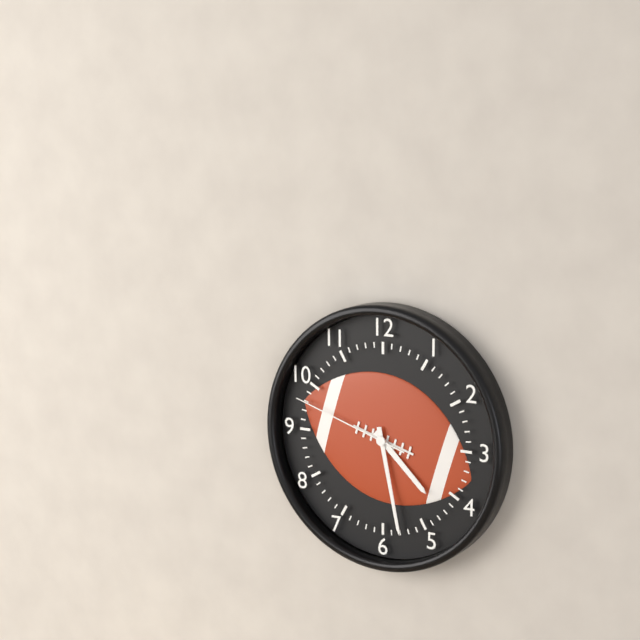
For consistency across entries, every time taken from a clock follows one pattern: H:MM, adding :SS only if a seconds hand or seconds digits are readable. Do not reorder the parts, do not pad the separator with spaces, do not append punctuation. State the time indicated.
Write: 4:28:48
